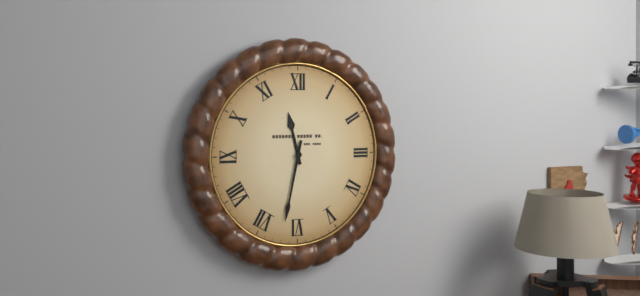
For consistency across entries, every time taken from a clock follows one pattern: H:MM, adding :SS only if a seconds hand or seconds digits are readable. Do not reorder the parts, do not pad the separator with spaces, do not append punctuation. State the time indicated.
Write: 11:32
